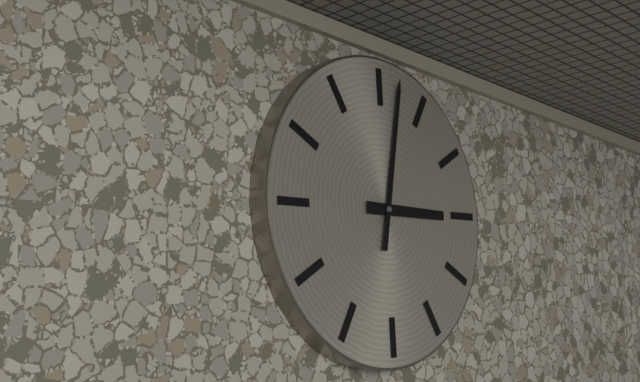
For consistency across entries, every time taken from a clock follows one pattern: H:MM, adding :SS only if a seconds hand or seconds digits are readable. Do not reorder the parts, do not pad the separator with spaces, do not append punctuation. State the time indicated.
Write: 3:02
